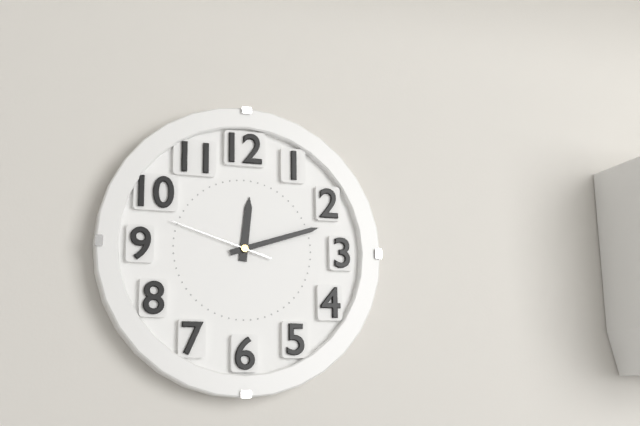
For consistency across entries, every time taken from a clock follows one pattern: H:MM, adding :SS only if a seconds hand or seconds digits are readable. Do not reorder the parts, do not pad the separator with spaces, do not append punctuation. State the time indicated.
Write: 12:12:48
